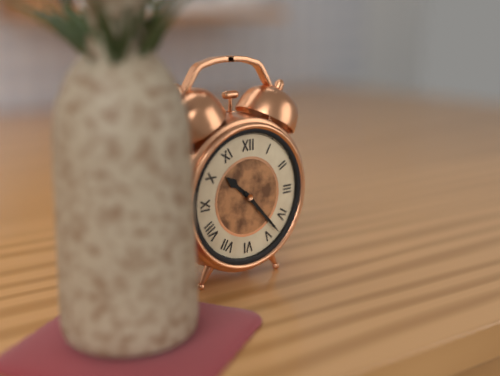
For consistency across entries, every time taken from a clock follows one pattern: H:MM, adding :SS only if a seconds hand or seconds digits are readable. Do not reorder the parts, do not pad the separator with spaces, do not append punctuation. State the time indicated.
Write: 10:23
